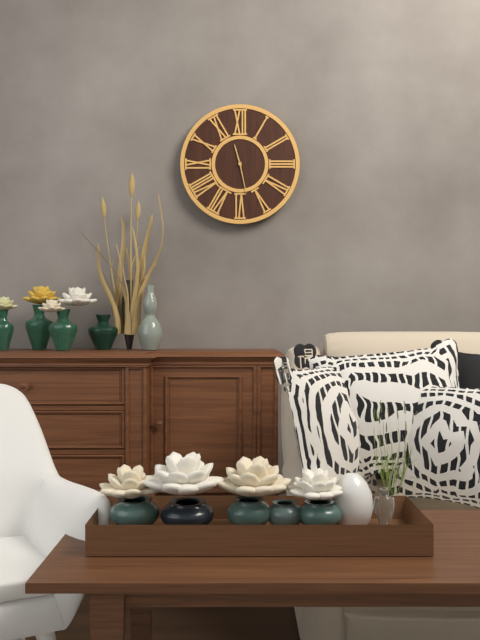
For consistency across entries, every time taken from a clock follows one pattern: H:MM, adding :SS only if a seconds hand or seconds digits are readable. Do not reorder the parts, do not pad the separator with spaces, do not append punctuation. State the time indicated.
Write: 11:28
